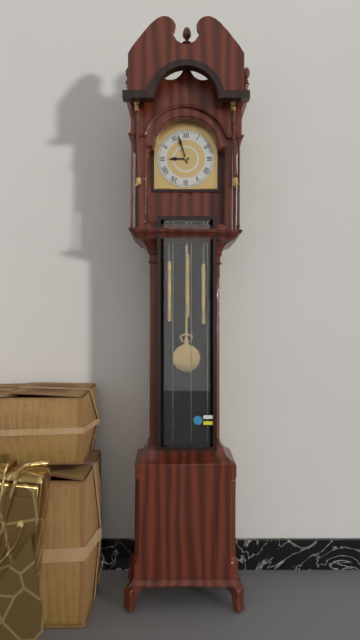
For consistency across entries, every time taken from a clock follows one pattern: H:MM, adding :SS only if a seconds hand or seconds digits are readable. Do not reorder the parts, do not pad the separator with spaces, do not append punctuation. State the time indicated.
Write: 8:57
